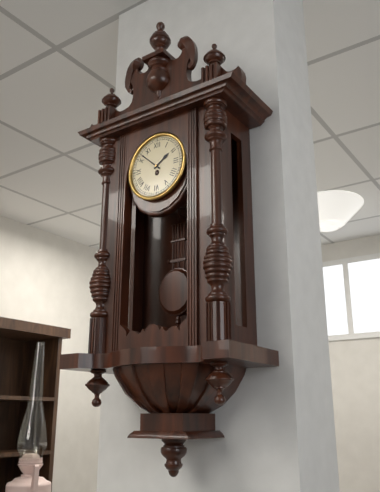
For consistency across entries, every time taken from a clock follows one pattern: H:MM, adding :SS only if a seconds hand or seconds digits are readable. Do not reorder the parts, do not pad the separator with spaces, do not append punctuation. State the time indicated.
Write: 1:52
